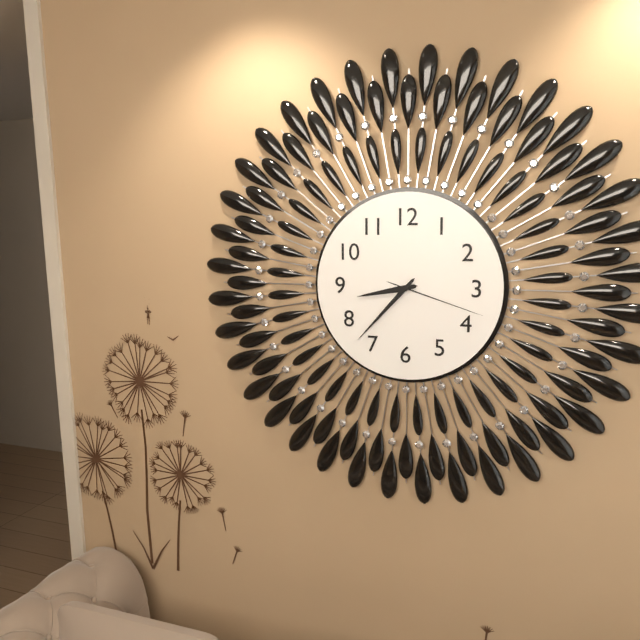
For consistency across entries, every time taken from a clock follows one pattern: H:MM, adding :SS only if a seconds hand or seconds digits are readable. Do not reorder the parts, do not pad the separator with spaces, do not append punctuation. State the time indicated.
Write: 8:37:18
